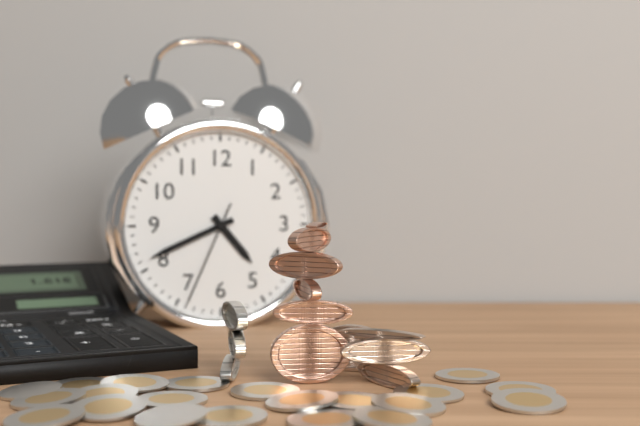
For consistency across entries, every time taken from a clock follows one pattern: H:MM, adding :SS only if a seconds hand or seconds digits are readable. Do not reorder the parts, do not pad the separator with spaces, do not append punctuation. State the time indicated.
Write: 4:41:34
